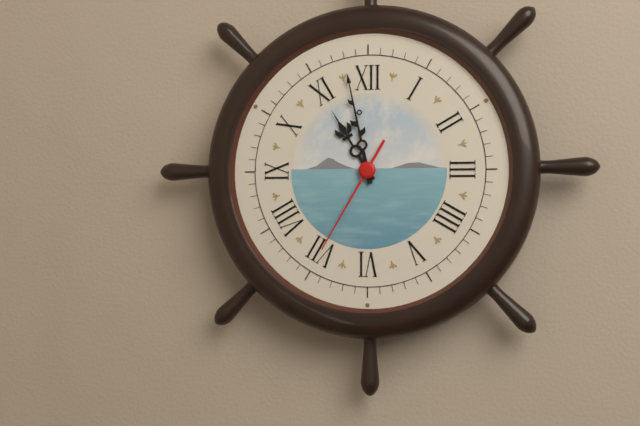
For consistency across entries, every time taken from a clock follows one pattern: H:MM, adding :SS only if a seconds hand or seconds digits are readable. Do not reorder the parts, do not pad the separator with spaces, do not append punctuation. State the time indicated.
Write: 10:58:35
